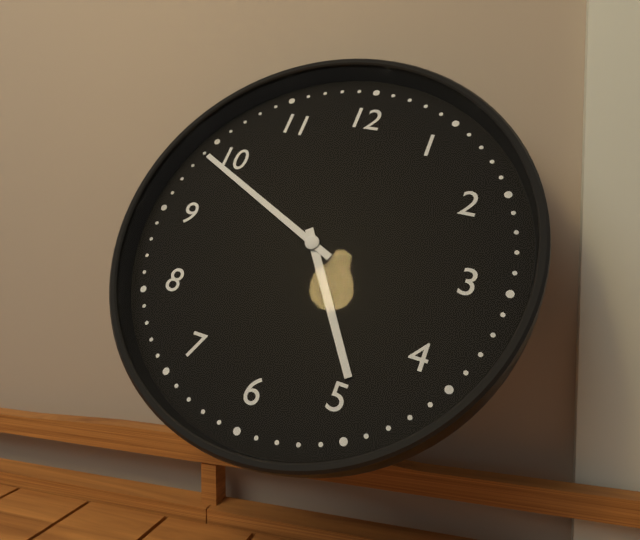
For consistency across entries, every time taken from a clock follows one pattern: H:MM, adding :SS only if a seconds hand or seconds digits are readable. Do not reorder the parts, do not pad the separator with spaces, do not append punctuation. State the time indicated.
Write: 4:49
